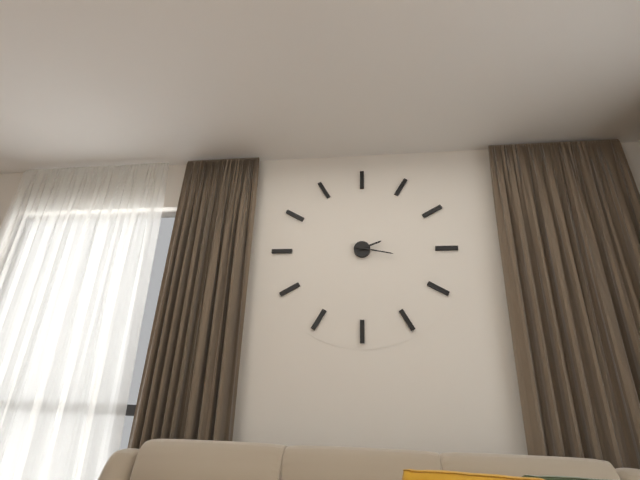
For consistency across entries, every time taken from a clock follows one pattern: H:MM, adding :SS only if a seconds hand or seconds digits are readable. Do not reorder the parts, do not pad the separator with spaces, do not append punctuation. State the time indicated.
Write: 2:17
